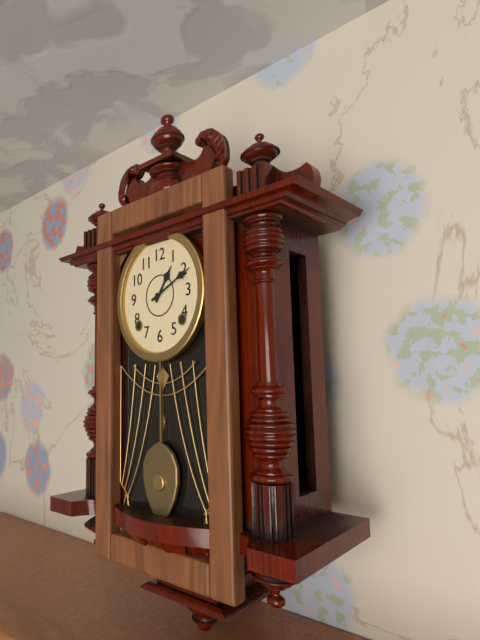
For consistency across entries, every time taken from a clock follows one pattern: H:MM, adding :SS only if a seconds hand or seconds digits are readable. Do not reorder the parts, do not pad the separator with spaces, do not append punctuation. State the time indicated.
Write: 1:11
